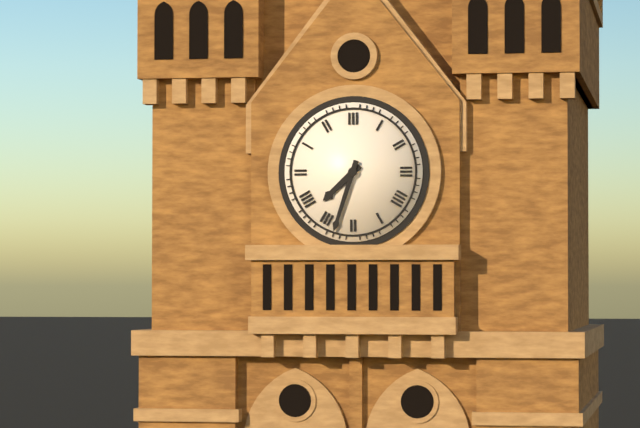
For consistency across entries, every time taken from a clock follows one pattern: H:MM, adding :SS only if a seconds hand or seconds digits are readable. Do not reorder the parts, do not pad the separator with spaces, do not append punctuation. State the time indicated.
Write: 7:33
